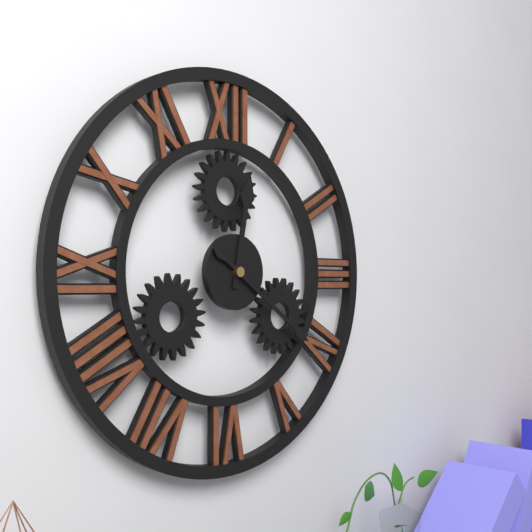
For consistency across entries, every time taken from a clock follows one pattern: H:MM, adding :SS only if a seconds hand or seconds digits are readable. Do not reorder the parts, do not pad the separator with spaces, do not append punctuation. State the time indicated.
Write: 12:21
